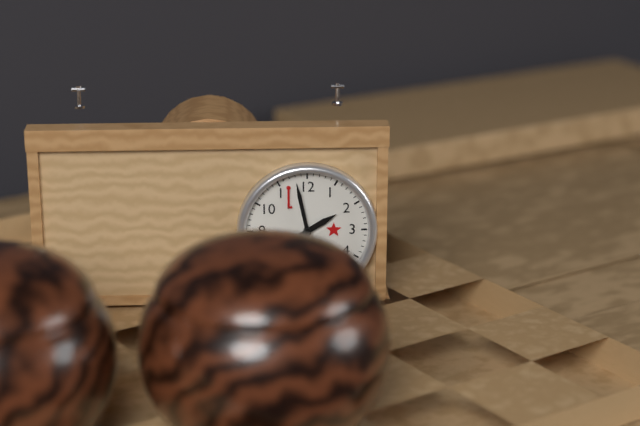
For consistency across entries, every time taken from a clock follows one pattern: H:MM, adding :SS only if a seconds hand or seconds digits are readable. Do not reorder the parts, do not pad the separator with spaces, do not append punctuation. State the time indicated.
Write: 1:58
